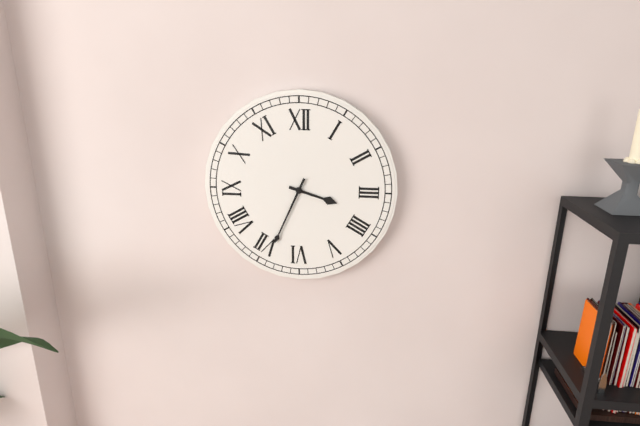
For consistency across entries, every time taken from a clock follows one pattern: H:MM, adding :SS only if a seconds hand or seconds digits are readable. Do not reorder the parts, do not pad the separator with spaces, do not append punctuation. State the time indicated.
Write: 3:34
